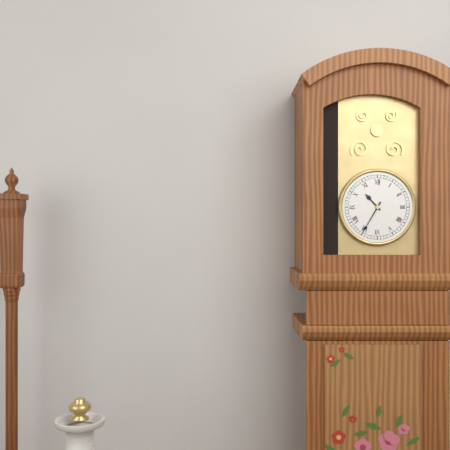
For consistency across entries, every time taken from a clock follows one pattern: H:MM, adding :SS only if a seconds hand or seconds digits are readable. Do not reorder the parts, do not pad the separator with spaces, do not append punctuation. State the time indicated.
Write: 10:35
